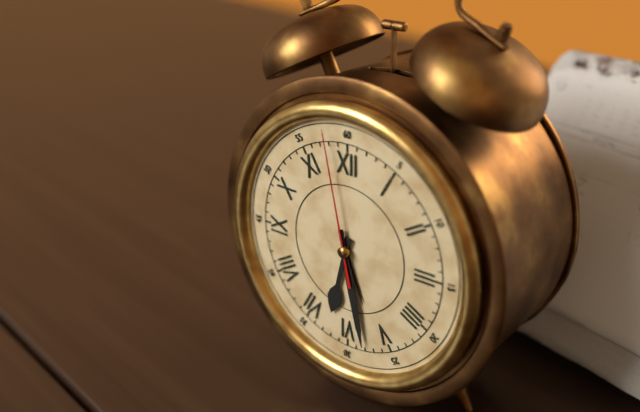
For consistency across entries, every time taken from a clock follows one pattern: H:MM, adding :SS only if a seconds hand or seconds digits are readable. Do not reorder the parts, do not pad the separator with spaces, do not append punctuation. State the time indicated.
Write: 6:28:58
